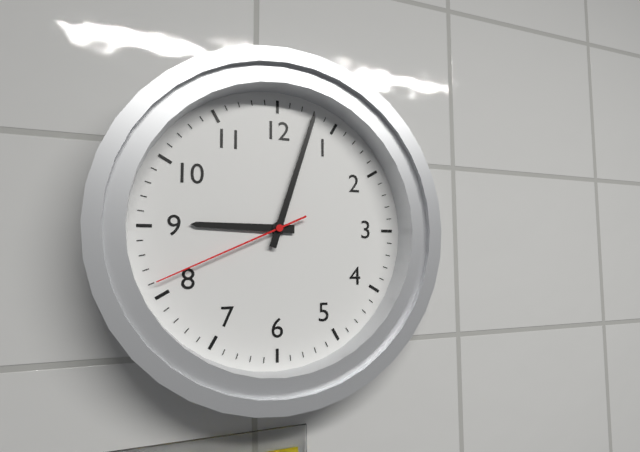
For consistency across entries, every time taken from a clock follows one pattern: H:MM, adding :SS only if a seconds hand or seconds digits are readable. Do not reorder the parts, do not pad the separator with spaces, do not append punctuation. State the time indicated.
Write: 9:03:41
